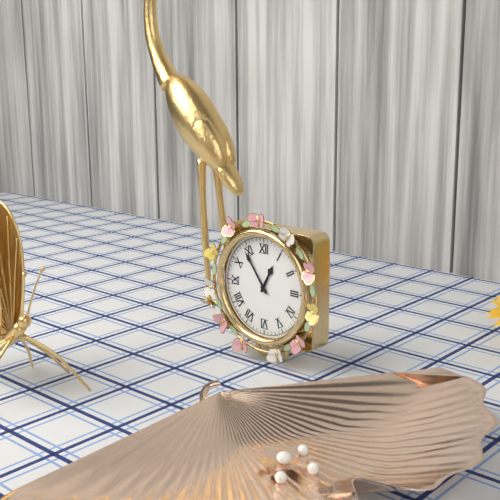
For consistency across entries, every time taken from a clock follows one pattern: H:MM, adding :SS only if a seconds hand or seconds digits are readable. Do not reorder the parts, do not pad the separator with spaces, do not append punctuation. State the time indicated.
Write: 12:54
